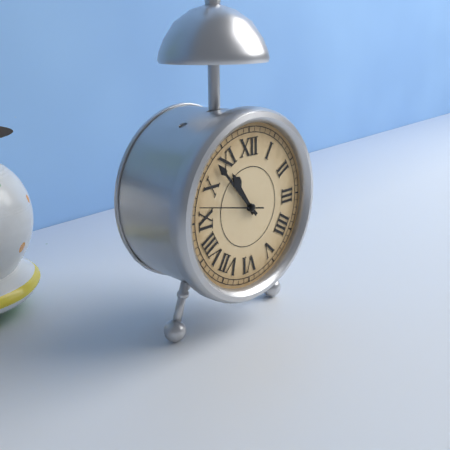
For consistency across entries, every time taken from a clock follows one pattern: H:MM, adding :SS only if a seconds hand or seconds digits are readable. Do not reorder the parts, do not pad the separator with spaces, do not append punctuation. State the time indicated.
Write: 10:53:47
